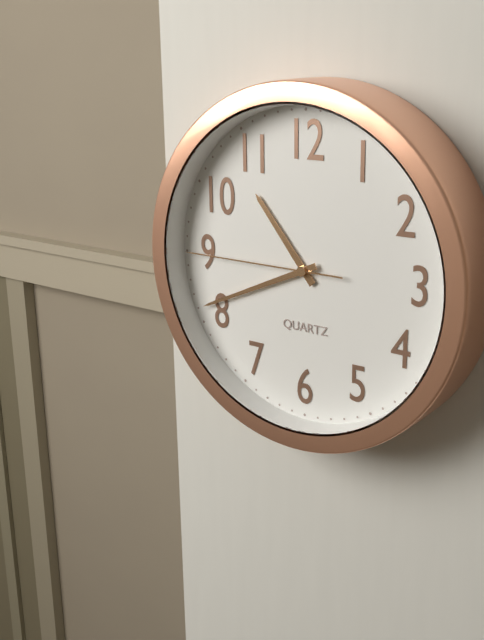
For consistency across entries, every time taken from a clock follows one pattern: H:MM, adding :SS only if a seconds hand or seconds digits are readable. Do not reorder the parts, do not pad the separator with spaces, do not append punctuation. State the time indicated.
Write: 10:41:45
